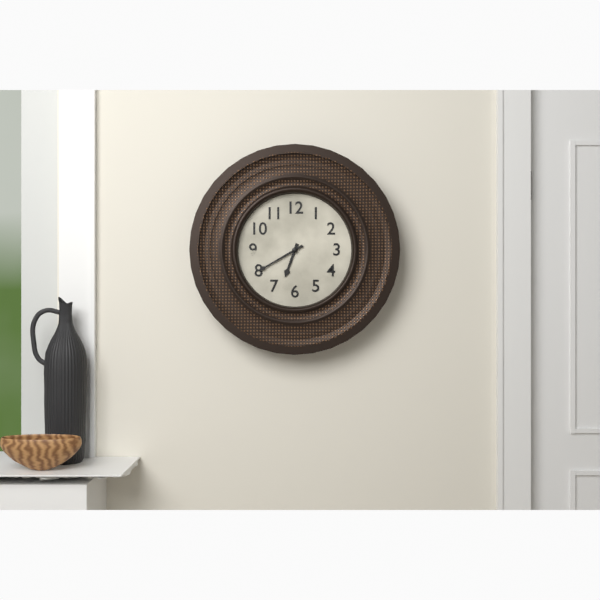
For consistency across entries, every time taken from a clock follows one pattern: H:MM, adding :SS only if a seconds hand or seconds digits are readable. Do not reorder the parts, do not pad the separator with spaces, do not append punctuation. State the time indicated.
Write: 6:40
